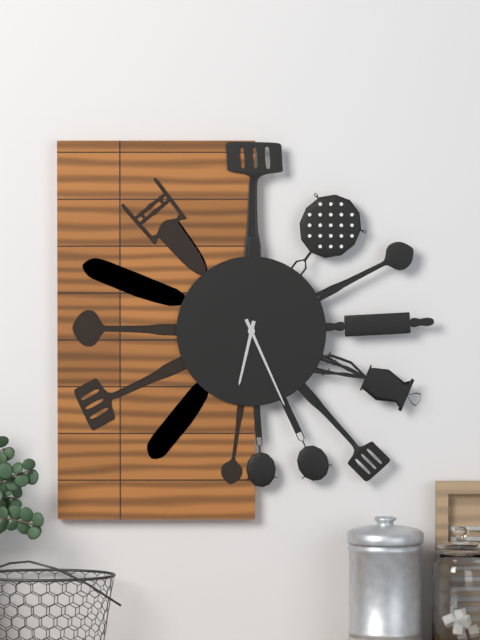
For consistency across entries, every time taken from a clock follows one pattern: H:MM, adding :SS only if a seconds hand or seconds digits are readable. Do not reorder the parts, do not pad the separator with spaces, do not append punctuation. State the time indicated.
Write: 6:26
